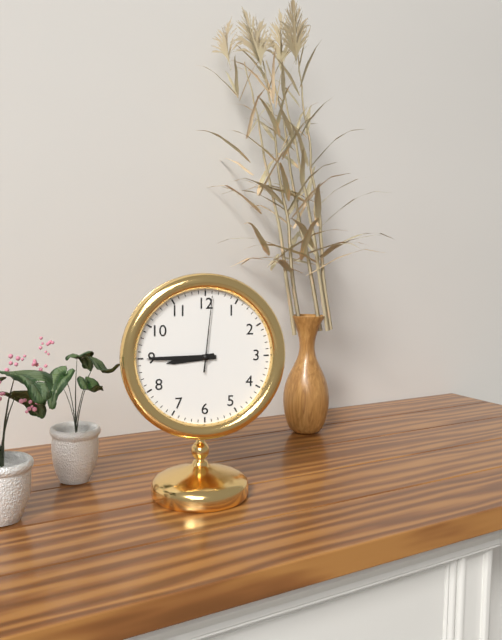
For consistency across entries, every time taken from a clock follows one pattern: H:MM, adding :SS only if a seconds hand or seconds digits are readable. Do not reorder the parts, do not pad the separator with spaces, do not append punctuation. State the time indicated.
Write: 8:45:01
